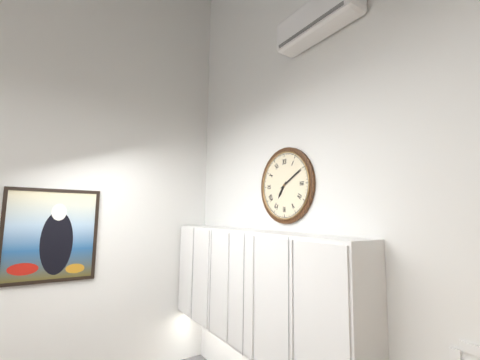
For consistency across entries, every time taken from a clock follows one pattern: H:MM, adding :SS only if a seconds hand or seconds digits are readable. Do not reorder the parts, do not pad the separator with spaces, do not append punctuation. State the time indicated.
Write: 7:10
